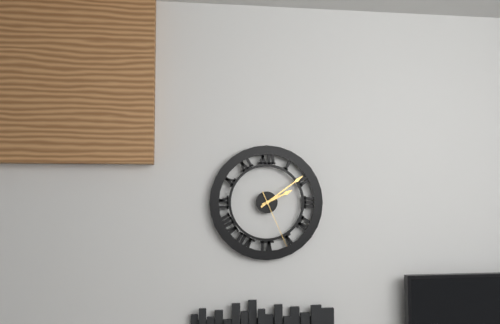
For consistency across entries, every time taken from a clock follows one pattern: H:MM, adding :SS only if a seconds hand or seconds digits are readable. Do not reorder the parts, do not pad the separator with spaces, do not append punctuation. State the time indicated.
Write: 2:09:26
